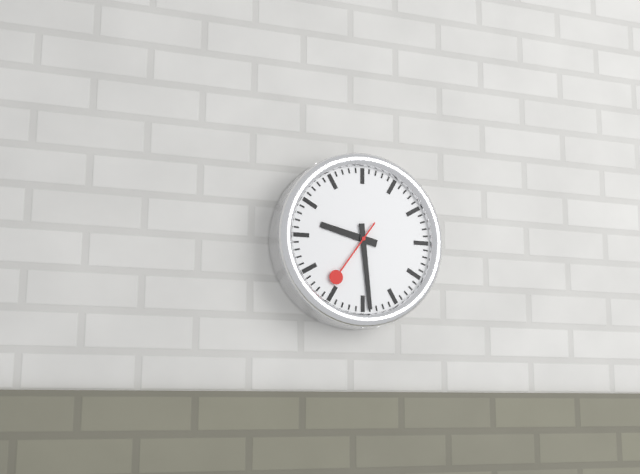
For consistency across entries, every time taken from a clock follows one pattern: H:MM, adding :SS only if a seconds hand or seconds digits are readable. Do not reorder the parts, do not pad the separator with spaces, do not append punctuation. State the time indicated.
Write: 9:29:36
